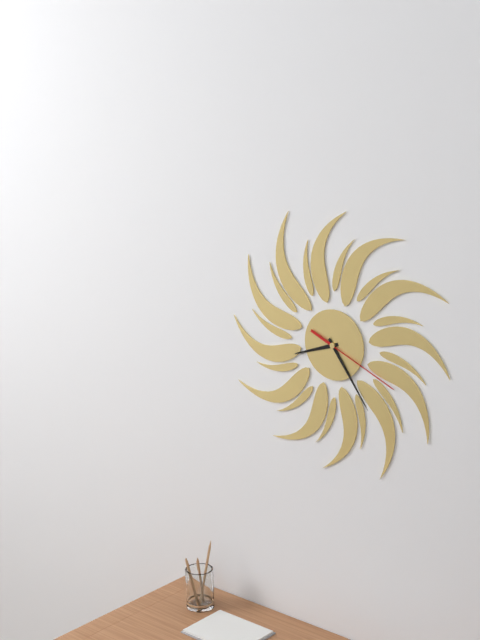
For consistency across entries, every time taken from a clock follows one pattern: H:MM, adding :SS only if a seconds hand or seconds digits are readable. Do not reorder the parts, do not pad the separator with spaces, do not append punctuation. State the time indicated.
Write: 8:24:19
